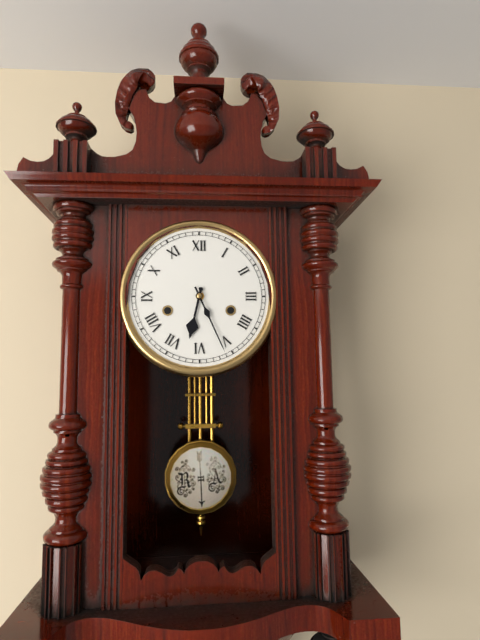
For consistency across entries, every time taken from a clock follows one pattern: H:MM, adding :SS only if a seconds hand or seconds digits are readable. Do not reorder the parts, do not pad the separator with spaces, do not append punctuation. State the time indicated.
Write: 6:26
